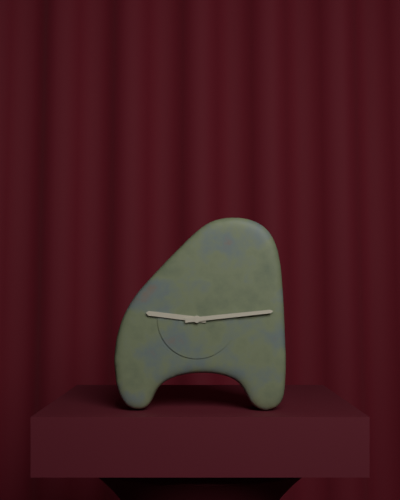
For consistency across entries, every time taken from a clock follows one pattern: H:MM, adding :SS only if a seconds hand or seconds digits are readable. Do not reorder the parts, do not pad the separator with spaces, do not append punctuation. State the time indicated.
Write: 9:14
